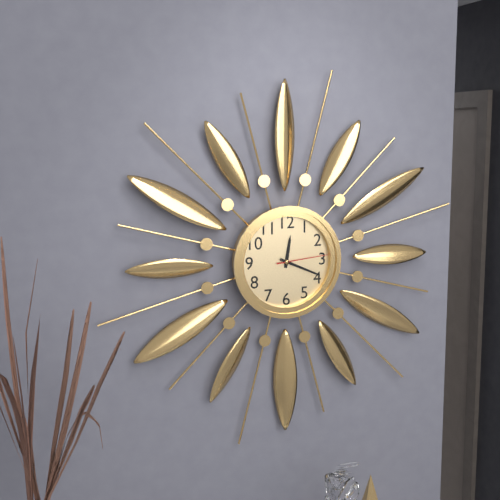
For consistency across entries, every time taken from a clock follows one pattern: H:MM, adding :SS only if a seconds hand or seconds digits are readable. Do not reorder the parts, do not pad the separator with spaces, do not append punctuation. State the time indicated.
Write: 12:19:14
